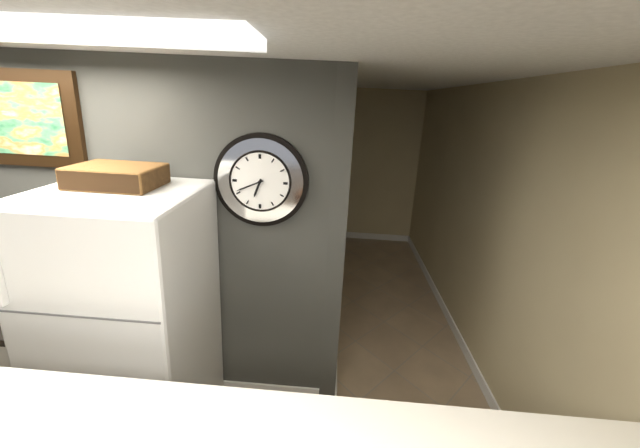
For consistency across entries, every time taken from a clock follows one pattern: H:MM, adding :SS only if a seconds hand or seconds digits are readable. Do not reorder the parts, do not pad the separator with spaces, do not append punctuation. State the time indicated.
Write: 6:41
